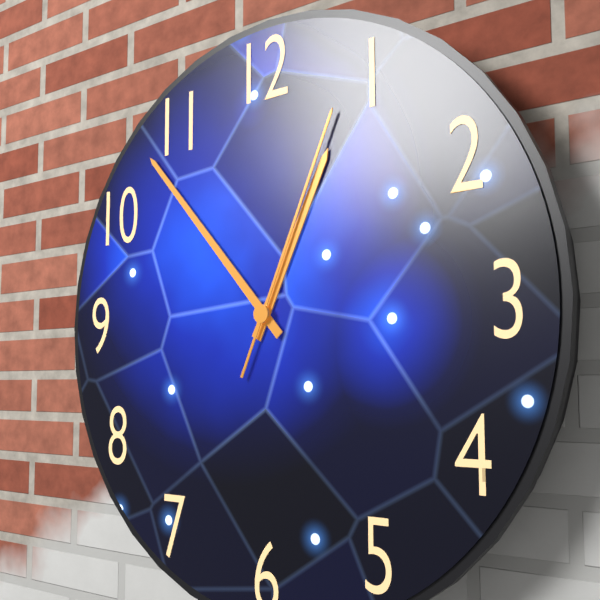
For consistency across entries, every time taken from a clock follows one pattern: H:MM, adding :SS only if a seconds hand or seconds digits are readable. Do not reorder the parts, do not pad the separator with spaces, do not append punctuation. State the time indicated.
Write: 12:53:04
